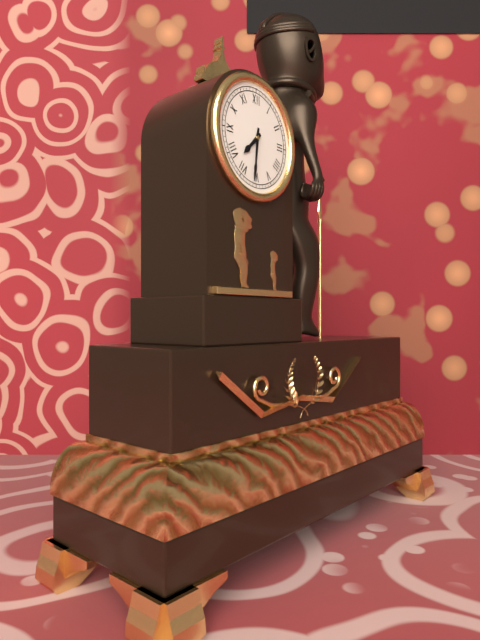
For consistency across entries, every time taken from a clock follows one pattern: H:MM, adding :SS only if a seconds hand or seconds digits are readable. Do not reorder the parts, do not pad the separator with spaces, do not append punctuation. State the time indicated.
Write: 7:31
